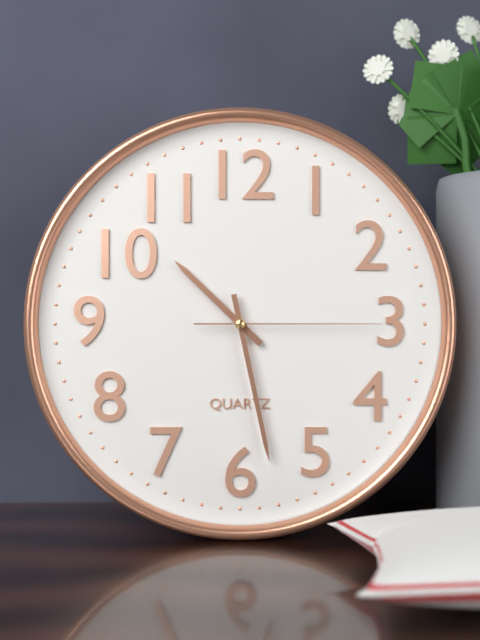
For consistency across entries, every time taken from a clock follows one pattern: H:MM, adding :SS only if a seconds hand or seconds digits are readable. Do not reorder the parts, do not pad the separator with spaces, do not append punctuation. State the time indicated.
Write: 10:28:15
